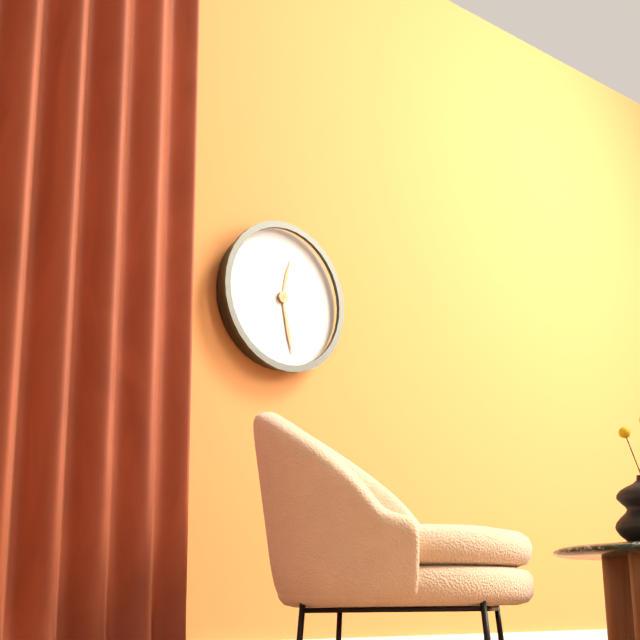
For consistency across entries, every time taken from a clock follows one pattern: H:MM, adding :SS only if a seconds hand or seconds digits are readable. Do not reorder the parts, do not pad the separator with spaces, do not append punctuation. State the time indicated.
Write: 12:28
